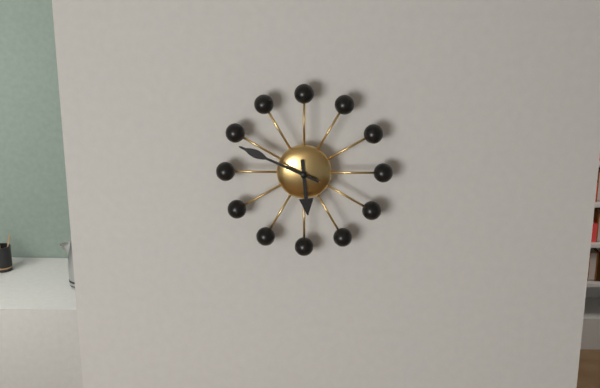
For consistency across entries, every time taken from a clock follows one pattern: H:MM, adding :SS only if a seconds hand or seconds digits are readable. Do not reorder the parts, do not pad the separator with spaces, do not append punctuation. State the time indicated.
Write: 5:49
